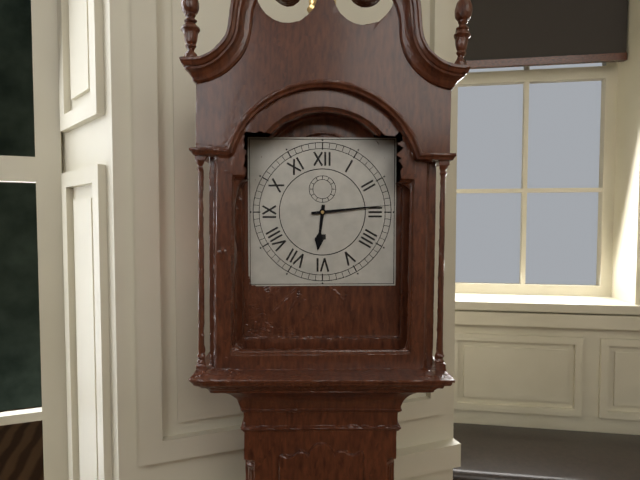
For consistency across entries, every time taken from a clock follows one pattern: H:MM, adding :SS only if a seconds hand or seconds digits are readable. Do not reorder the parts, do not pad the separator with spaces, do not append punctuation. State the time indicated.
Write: 6:14
